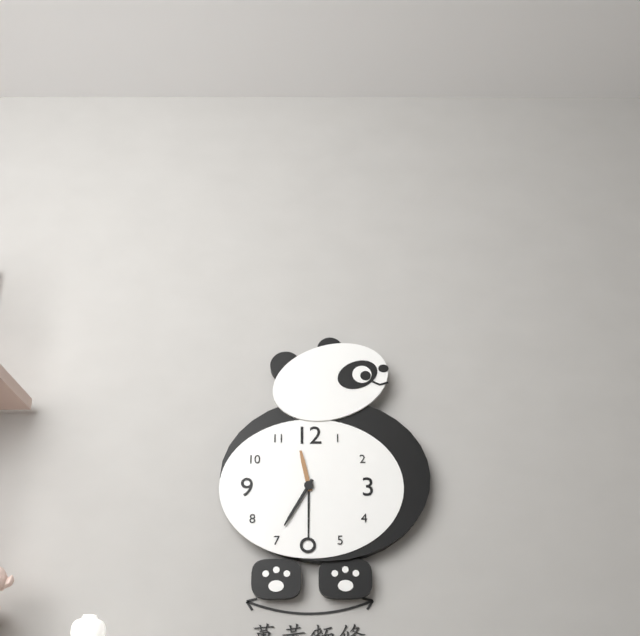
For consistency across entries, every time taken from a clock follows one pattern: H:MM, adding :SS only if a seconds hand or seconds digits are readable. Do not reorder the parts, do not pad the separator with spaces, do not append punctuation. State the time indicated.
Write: 11:35
